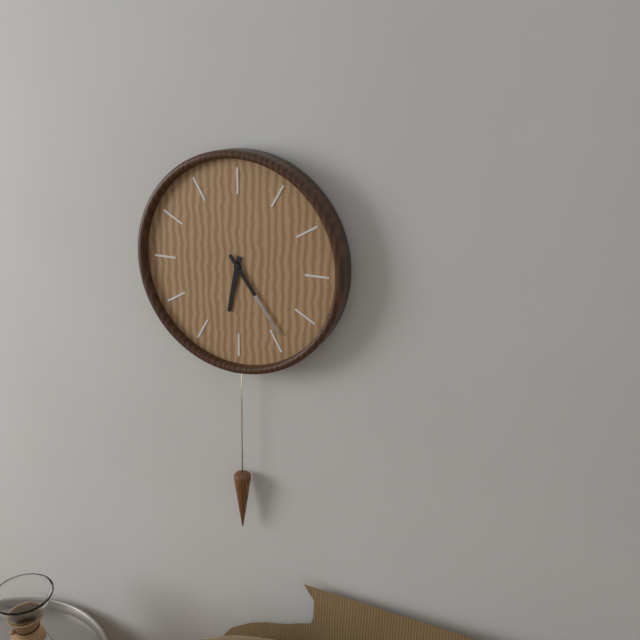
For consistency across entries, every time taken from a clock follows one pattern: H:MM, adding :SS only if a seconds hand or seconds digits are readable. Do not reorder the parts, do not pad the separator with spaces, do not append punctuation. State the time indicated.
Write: 6:24
